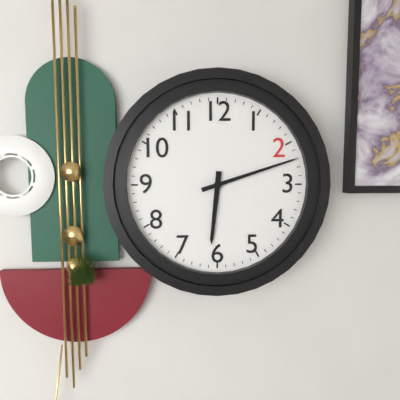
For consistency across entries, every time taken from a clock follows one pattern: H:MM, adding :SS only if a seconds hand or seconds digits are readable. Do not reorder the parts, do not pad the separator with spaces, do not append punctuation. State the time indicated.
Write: 6:12
